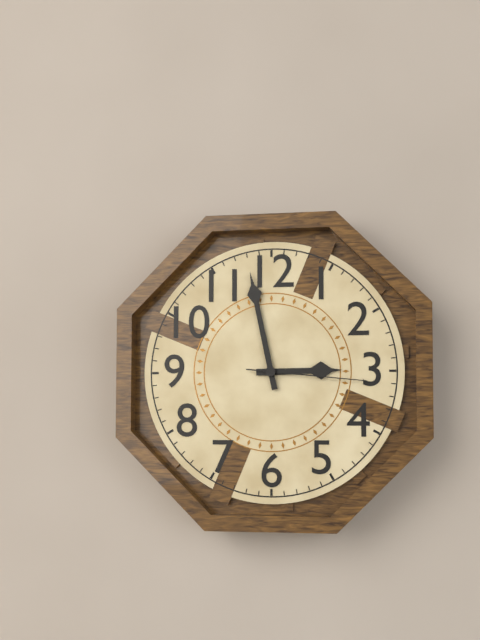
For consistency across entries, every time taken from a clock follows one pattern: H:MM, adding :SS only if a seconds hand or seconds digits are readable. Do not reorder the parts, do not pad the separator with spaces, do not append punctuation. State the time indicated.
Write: 2:58:16
